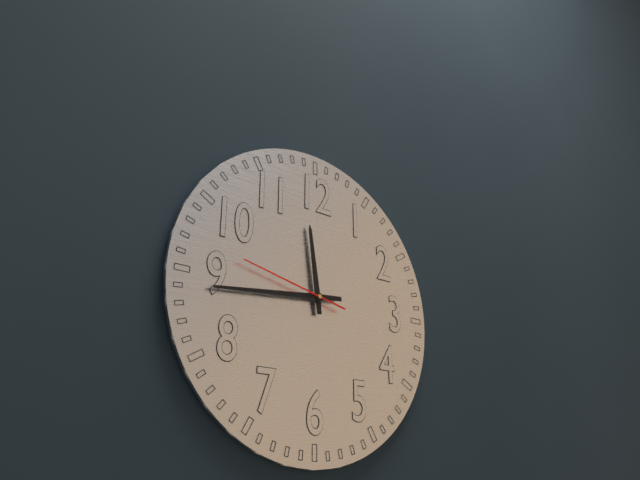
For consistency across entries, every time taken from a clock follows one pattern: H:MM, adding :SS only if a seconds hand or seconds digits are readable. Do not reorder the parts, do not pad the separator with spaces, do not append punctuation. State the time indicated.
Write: 11:44:47
